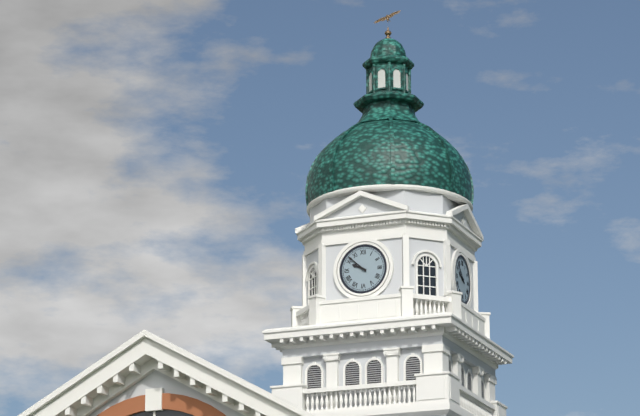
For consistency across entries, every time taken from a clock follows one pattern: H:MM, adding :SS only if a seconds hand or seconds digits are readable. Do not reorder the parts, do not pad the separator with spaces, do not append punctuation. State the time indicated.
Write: 9:52
